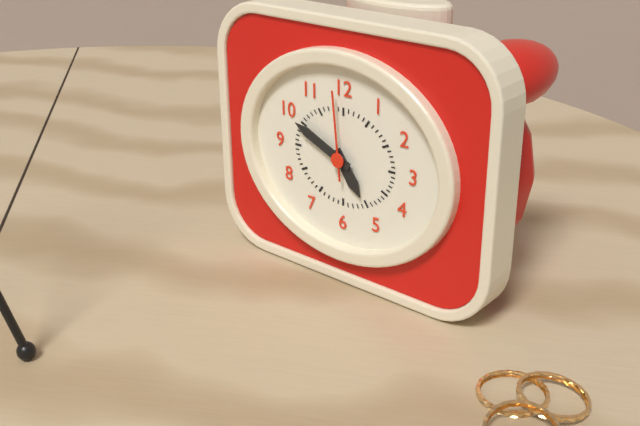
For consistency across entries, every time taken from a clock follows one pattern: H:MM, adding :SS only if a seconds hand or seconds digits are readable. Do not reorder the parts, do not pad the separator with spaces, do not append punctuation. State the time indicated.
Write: 4:49:59
